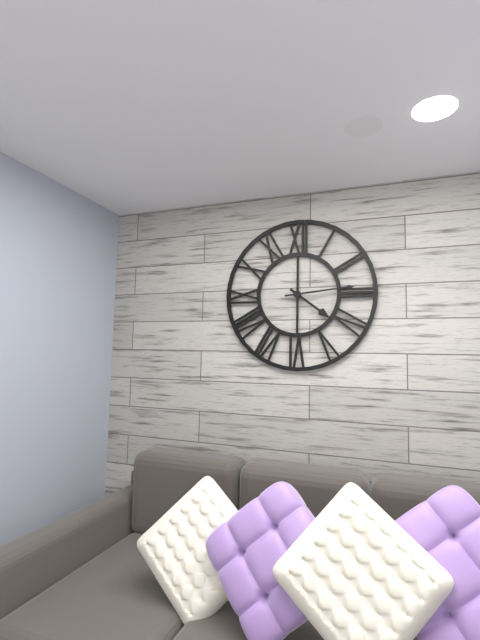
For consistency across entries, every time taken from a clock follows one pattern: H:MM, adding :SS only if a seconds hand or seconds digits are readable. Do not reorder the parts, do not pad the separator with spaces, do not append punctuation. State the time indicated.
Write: 4:14
